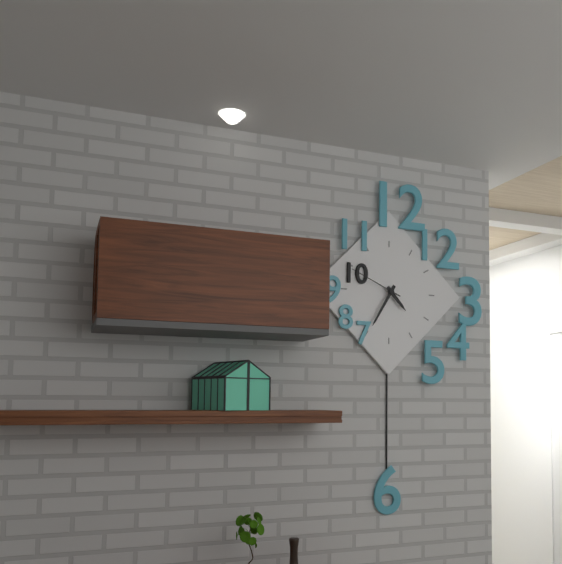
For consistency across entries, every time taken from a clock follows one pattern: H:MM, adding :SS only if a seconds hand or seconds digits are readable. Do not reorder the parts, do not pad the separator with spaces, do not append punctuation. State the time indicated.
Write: 4:35:49
